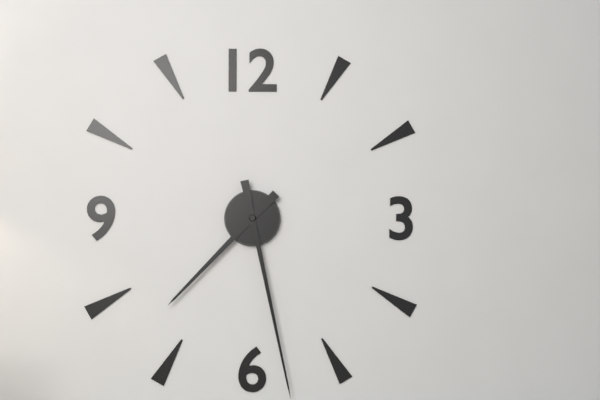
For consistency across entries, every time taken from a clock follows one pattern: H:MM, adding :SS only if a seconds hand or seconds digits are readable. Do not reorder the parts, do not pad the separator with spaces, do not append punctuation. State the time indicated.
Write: 7:28
